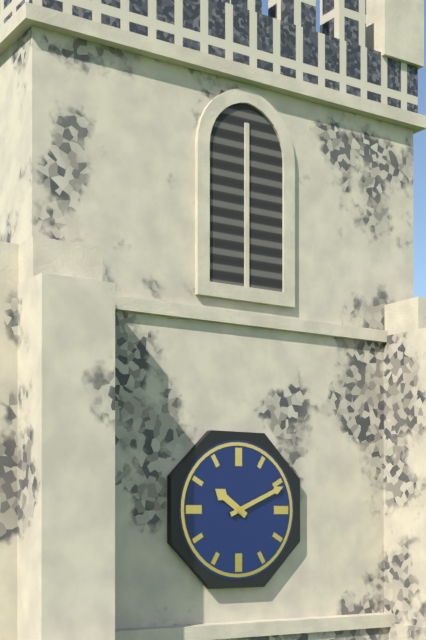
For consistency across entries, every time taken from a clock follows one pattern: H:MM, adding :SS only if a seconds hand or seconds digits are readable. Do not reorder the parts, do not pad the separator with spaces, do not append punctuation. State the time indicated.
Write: 10:11
